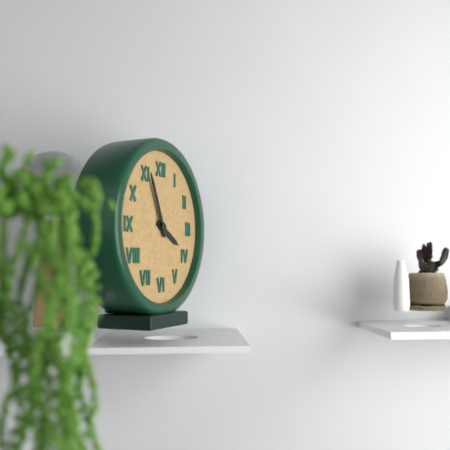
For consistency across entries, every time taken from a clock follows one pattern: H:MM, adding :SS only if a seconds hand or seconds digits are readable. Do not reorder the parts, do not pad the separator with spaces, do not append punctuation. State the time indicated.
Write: 3:56
